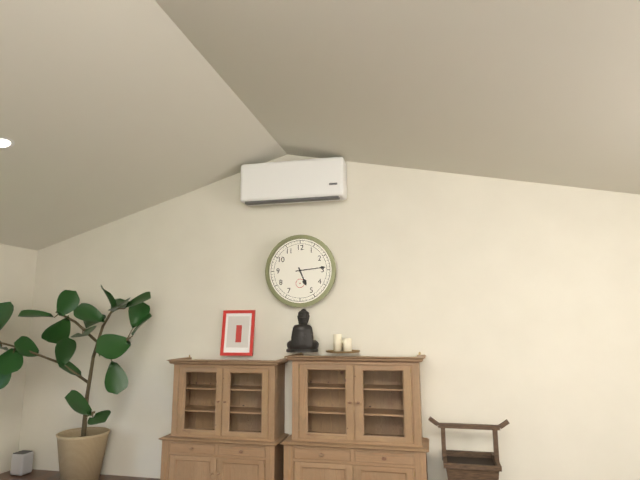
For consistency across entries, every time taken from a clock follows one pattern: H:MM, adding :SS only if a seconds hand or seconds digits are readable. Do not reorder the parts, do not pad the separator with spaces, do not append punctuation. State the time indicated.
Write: 5:14
